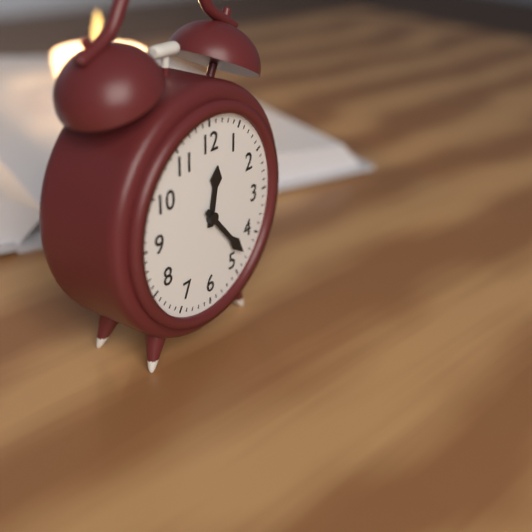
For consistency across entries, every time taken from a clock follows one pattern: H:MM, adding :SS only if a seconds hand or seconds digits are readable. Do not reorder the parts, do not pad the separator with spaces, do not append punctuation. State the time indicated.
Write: 12:23
